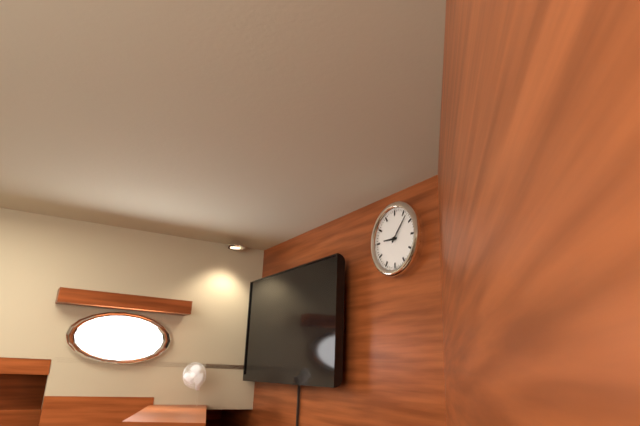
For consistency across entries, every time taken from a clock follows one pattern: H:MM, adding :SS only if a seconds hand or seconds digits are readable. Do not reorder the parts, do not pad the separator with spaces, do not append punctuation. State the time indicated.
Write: 9:07
